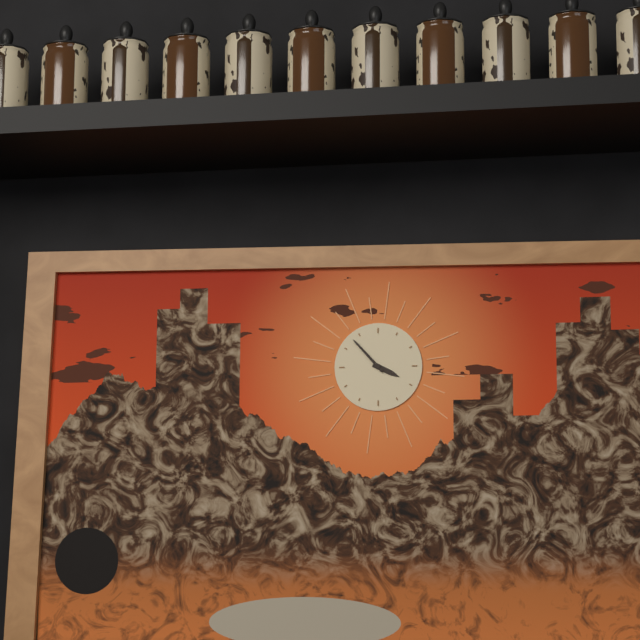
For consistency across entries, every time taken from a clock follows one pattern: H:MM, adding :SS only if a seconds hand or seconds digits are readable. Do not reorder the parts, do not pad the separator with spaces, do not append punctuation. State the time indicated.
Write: 3:53
